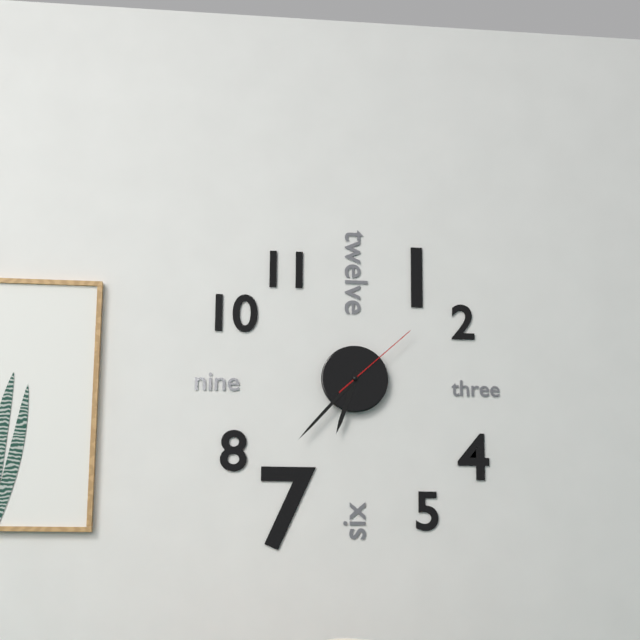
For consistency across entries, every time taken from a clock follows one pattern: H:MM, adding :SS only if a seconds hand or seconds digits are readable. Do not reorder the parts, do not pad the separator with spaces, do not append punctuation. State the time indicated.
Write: 6:37:08
